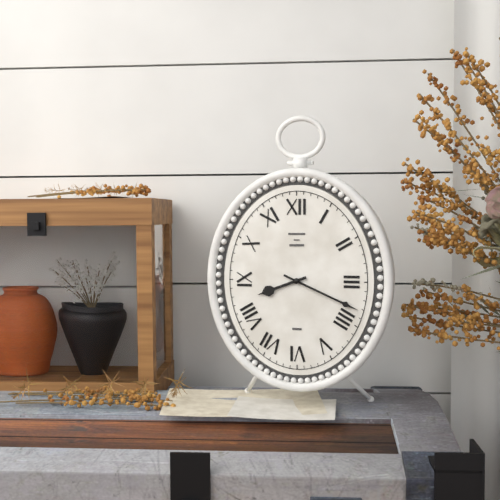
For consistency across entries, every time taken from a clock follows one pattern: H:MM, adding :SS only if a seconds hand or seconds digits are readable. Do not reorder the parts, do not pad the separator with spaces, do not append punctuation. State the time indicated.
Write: 8:19
